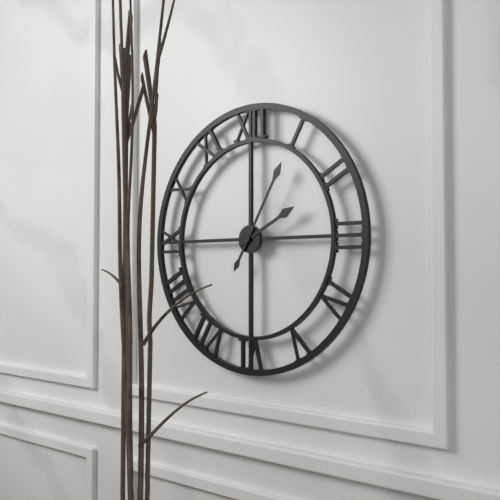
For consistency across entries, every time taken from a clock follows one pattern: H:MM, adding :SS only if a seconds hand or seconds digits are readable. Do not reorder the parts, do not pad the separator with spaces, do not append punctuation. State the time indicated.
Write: 2:05
